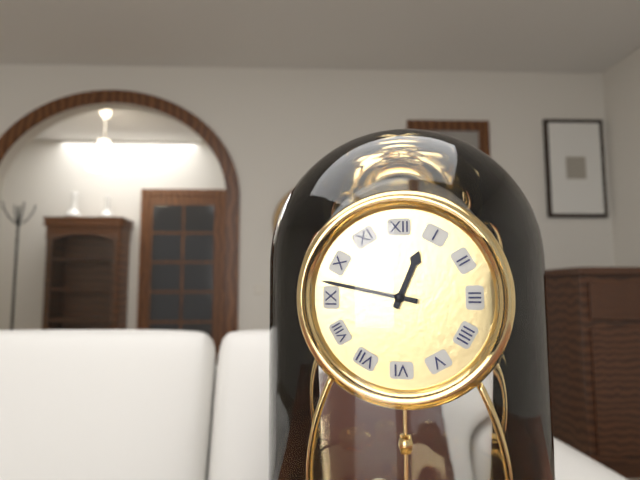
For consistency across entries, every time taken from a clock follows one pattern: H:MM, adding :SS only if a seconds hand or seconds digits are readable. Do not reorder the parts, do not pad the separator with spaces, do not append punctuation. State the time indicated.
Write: 12:47
